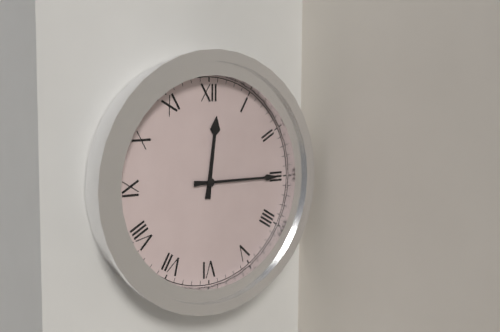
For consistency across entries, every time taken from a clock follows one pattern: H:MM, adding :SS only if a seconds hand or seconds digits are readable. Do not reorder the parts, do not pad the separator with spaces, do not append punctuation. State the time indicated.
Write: 12:15
